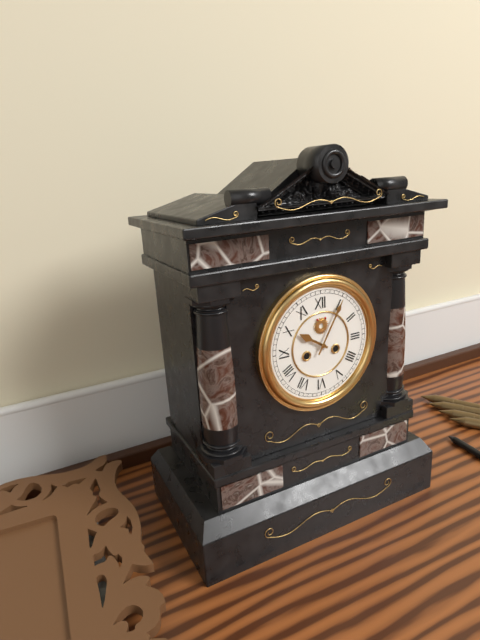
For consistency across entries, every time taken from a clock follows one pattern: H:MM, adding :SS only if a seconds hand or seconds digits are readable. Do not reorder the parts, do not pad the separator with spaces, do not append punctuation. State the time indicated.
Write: 10:05
